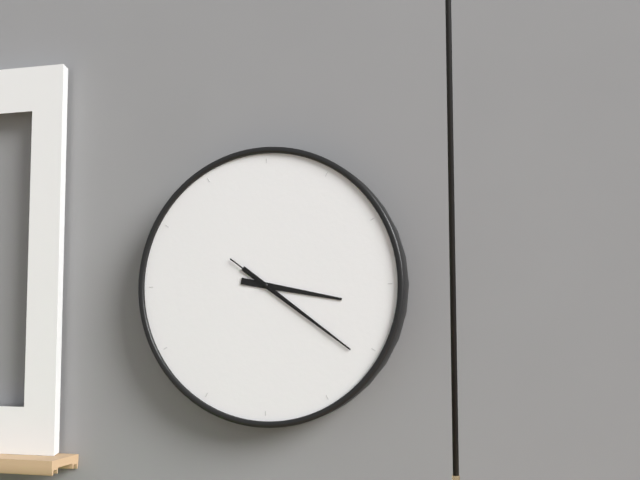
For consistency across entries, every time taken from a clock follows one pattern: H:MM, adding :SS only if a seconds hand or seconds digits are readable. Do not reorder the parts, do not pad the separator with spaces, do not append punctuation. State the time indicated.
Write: 3:21:21
